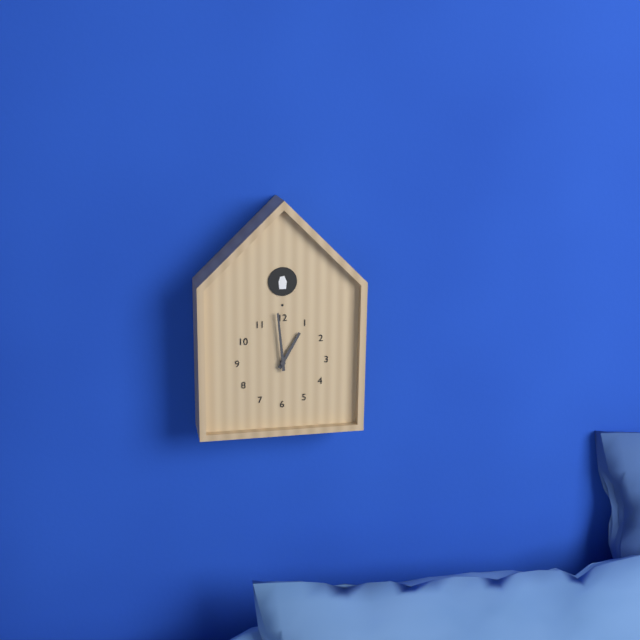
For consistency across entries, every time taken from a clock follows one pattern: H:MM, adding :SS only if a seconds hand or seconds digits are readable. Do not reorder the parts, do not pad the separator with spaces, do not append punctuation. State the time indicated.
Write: 12:59
